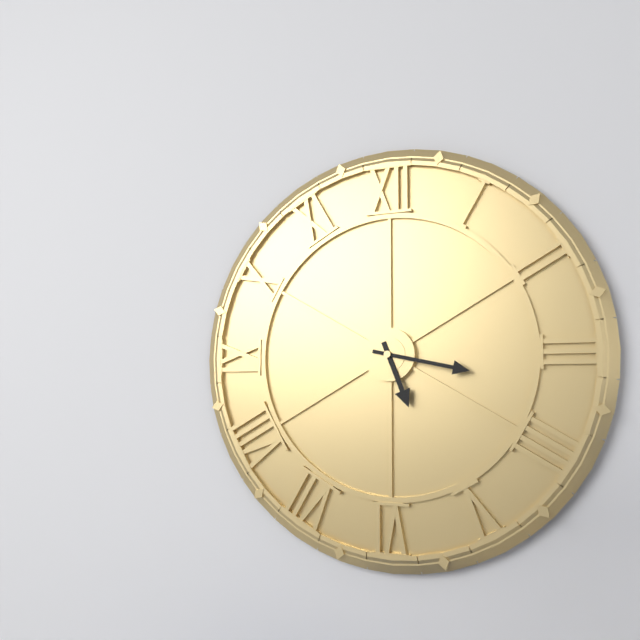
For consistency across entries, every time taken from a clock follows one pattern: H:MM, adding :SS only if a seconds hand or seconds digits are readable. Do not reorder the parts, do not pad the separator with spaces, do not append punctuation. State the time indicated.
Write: 5:17
